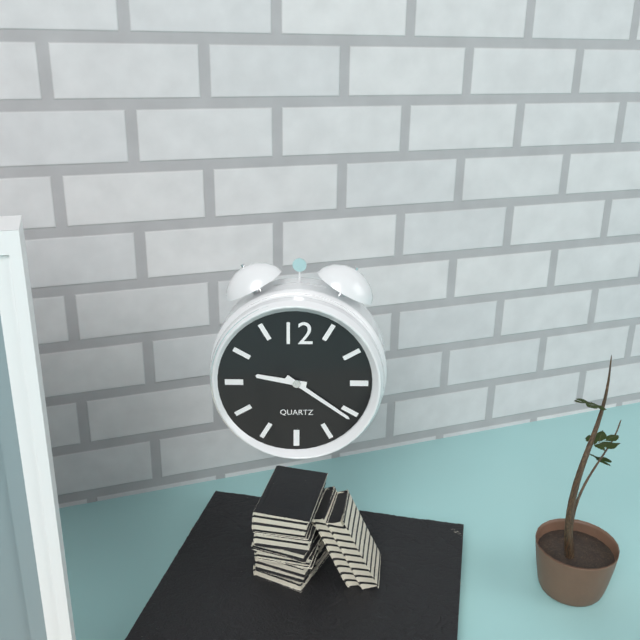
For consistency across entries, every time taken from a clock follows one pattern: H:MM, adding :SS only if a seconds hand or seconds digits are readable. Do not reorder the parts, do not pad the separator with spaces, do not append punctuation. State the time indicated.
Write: 9:21
